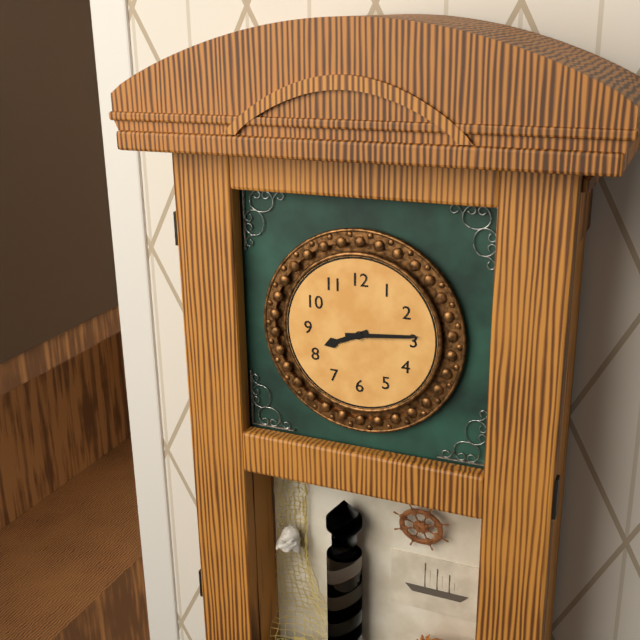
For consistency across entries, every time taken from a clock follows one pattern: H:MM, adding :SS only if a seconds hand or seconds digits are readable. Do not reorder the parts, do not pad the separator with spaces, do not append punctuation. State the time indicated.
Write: 8:14
